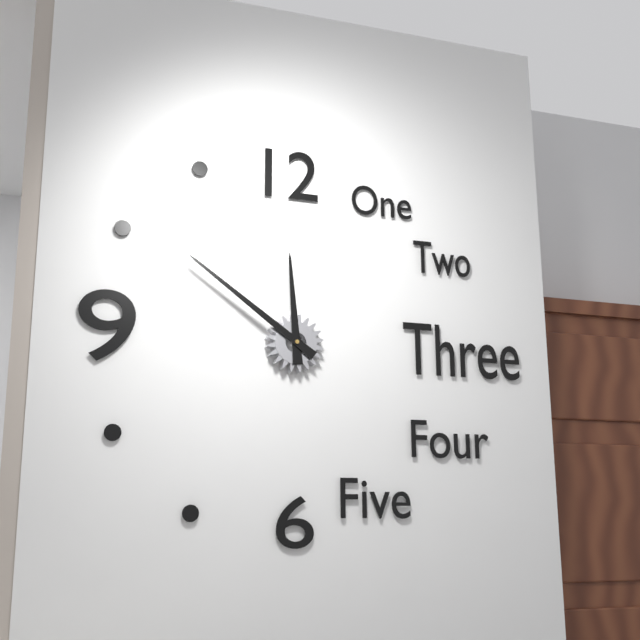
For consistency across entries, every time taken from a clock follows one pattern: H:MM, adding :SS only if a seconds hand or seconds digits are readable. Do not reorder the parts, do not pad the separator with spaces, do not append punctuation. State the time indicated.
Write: 11:51
